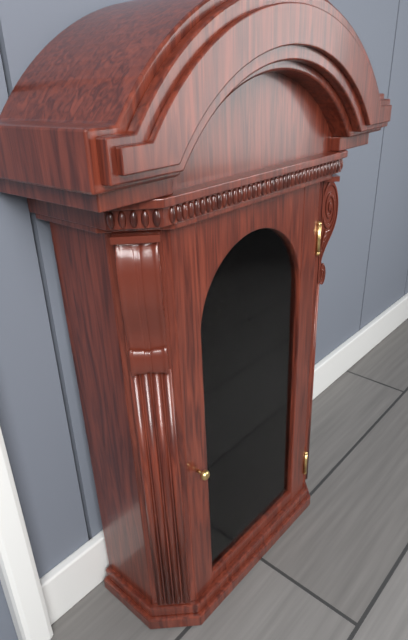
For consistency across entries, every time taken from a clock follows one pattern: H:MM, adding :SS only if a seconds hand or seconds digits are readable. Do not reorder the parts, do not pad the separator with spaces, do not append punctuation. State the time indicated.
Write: 8:58
